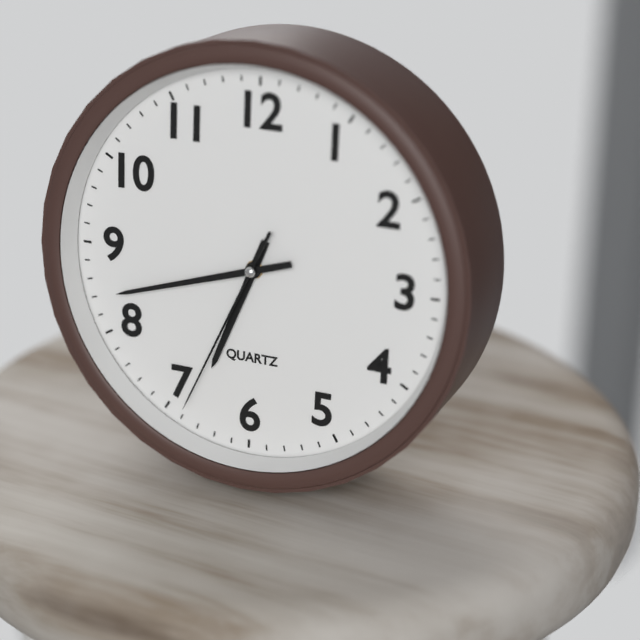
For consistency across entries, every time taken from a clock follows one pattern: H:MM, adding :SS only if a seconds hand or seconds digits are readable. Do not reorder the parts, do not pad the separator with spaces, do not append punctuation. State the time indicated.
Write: 6:42:34
